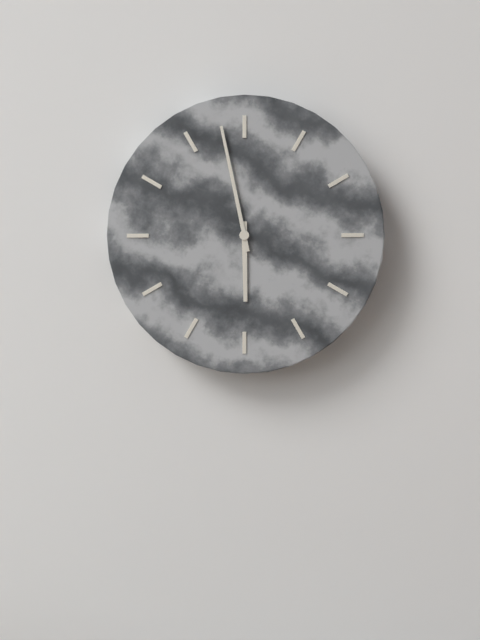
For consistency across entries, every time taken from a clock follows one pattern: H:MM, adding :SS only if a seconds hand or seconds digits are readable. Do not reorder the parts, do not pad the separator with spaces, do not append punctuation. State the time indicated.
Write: 5:58
